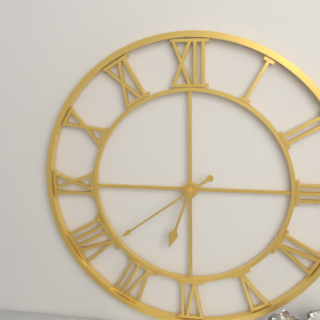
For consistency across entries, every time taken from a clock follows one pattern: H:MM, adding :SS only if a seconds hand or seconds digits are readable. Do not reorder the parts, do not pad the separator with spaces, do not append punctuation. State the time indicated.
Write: 6:39
